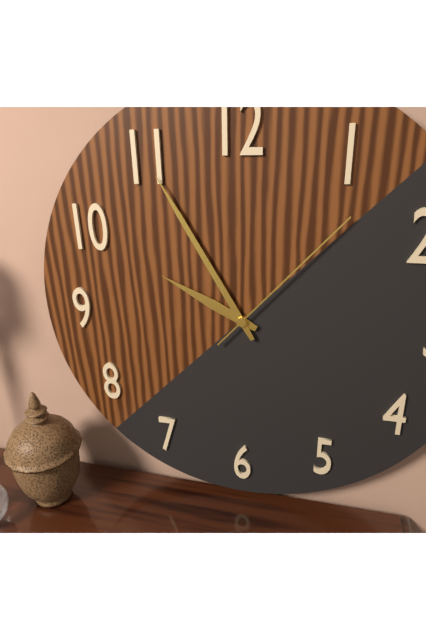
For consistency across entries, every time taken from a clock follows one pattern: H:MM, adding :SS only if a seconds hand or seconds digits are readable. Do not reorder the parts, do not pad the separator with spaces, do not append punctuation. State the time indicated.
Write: 9:55:07
